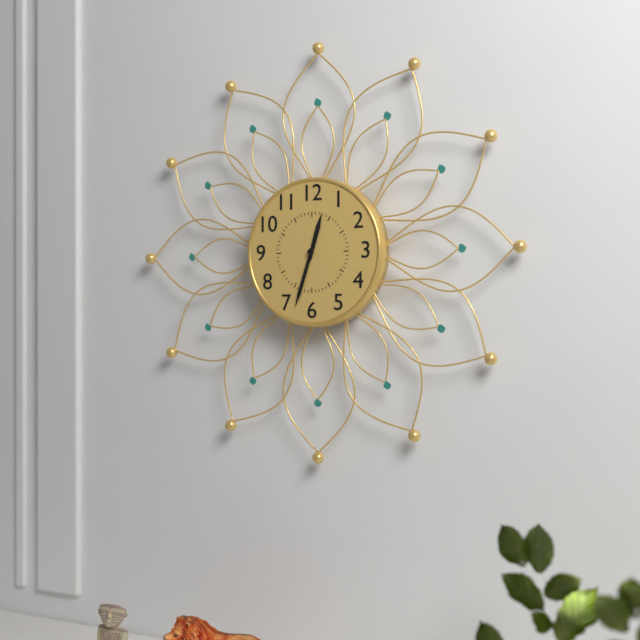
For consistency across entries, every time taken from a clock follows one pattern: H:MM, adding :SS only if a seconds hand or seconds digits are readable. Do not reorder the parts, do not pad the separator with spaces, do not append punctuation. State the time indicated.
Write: 12:33:33
